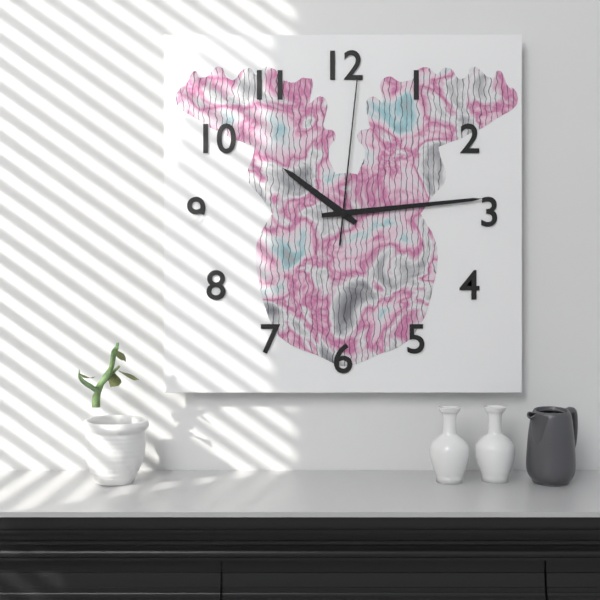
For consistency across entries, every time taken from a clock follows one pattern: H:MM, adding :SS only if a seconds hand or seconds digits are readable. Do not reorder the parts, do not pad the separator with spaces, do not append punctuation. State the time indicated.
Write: 10:14:01
